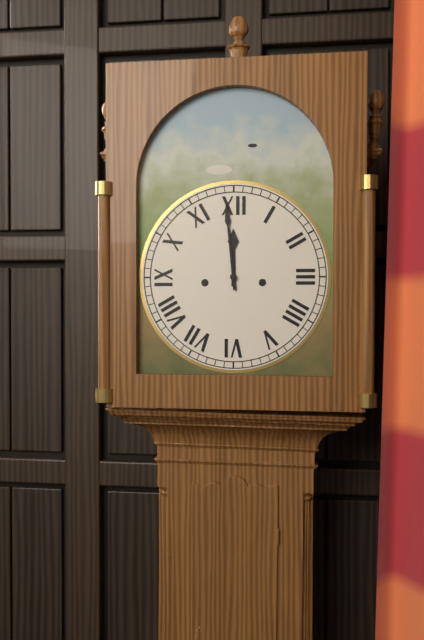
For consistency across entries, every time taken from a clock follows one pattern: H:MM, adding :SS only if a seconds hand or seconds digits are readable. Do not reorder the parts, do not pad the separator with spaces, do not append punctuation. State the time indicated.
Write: 11:59
